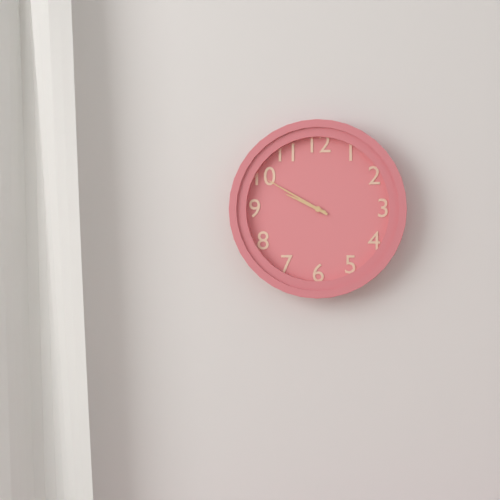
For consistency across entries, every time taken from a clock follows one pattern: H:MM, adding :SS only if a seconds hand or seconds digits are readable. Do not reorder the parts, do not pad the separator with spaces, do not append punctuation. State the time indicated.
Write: 9:50
